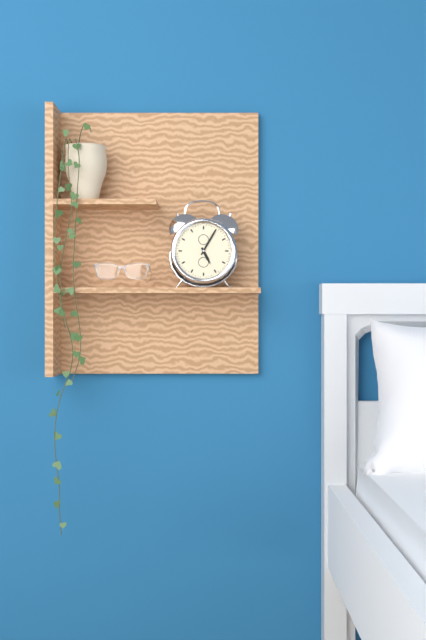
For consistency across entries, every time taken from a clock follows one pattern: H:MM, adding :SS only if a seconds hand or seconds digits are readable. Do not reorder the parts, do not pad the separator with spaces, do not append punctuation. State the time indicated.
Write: 5:05
